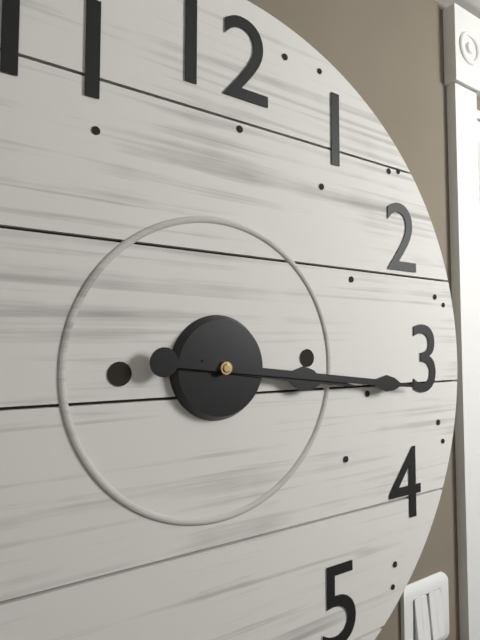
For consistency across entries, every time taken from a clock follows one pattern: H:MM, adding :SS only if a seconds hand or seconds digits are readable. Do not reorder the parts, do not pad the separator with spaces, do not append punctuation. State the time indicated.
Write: 3:16
